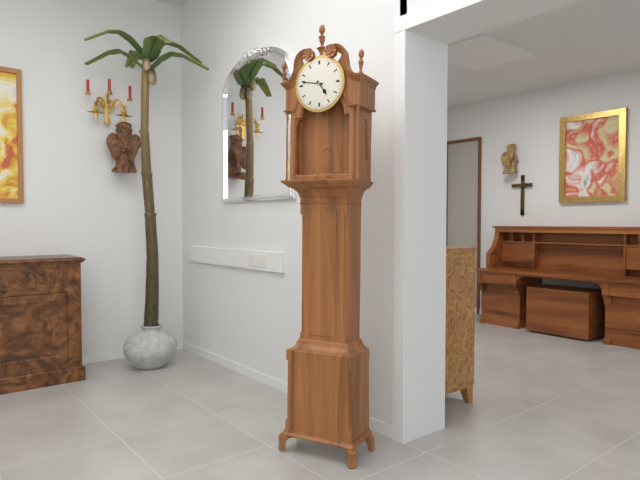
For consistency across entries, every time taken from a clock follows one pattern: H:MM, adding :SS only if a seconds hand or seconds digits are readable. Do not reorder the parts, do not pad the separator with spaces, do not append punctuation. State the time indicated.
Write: 4:47
